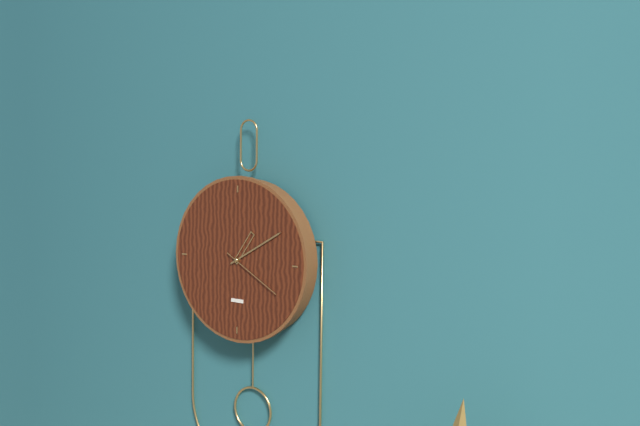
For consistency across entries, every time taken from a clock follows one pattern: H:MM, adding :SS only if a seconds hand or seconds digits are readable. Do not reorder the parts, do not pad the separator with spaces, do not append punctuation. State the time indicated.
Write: 1:10:20
